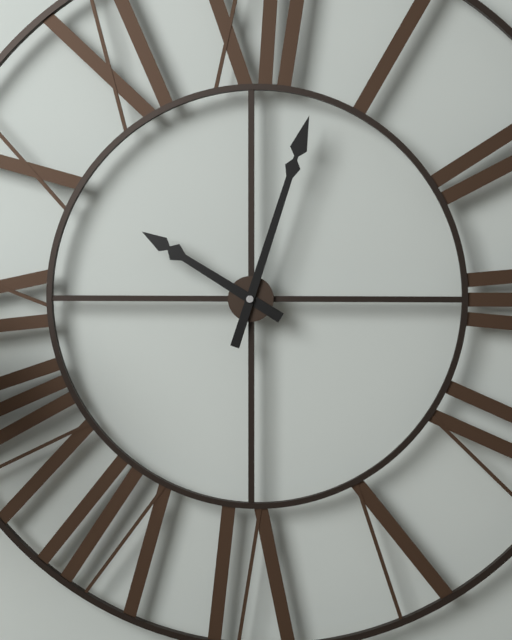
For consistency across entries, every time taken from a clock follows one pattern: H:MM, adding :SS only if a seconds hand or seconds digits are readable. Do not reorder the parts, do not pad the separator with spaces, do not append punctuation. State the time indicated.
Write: 10:03
